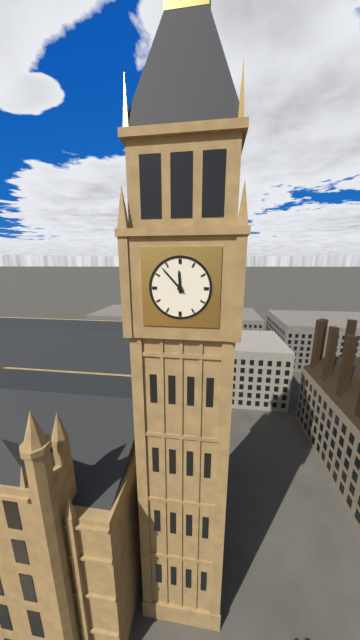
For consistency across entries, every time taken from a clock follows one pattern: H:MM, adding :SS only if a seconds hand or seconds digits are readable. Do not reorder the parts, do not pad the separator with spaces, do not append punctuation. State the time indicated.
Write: 11:53
